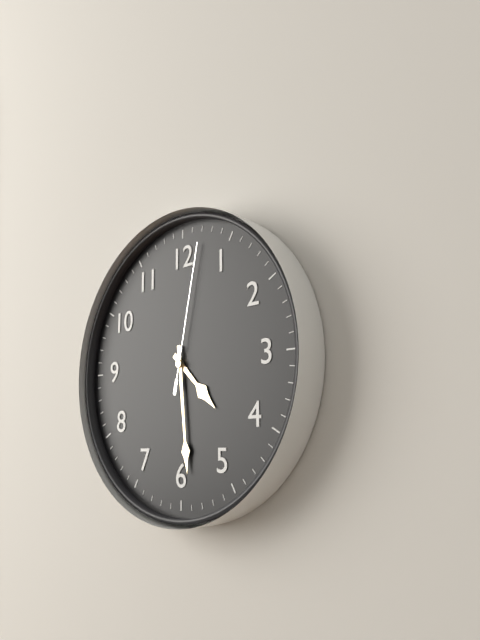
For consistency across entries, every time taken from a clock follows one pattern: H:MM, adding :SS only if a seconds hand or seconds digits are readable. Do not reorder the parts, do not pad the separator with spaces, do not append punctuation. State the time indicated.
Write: 4:29:02
